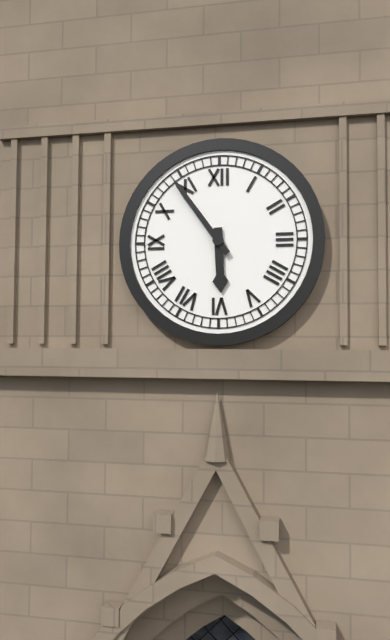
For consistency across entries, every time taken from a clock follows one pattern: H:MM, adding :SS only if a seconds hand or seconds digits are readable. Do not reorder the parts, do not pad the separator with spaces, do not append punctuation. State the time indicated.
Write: 5:54
